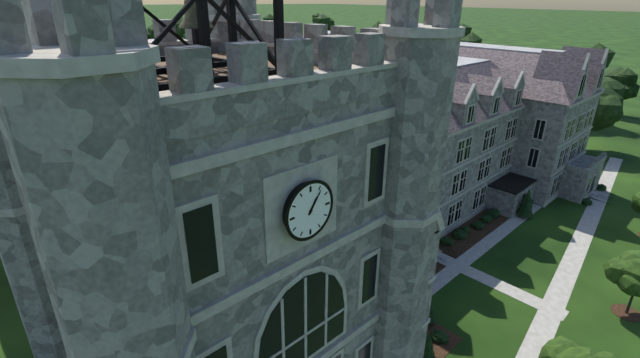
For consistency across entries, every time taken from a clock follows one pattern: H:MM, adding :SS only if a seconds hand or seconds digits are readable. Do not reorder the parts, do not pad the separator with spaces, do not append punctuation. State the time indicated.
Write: 1:06
